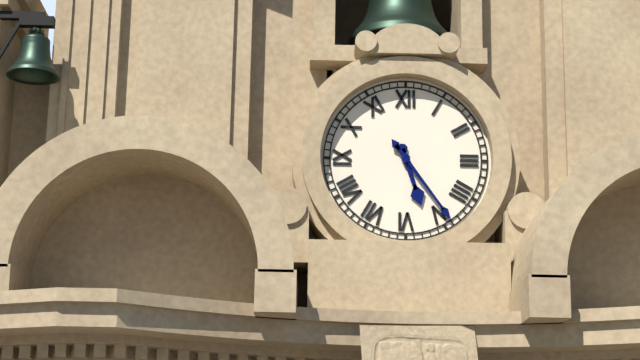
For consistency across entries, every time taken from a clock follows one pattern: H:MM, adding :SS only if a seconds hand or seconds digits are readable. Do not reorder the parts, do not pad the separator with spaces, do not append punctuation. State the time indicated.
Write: 5:24
